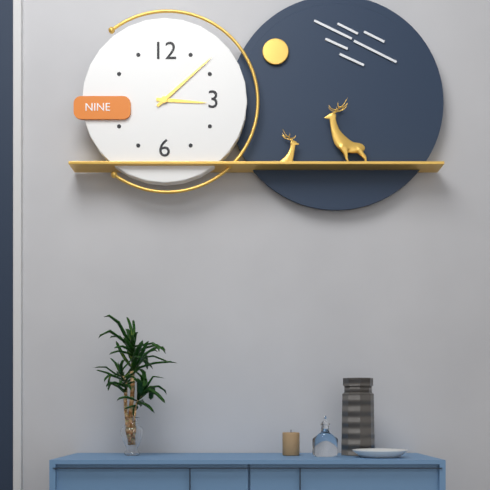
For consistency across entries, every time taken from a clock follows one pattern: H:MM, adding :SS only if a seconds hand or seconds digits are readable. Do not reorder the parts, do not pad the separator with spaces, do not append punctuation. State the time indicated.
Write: 3:08
